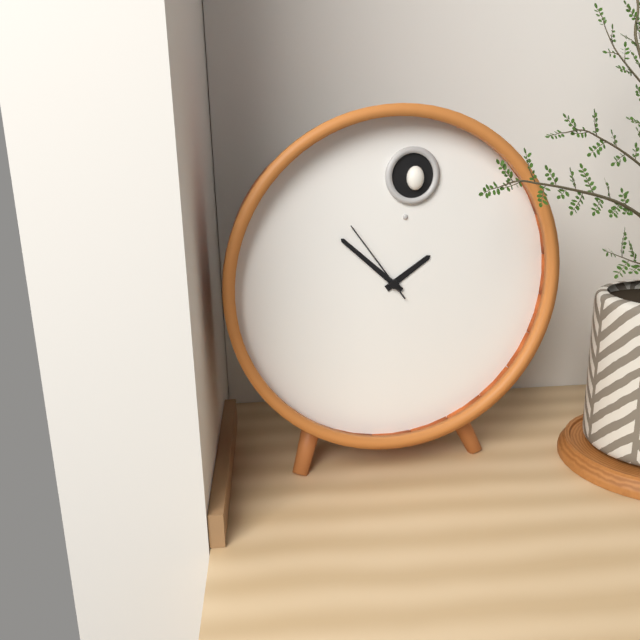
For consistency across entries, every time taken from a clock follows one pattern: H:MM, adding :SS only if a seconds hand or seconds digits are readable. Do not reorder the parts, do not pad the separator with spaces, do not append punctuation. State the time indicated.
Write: 1:52:54
